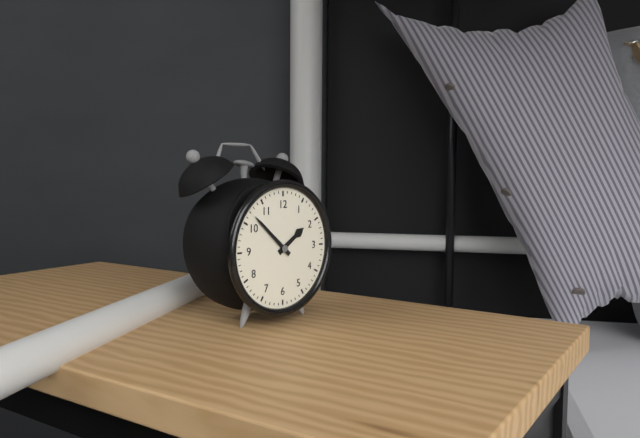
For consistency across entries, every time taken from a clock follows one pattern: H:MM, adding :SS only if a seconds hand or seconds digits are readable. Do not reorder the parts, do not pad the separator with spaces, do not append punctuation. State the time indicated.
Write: 1:52
